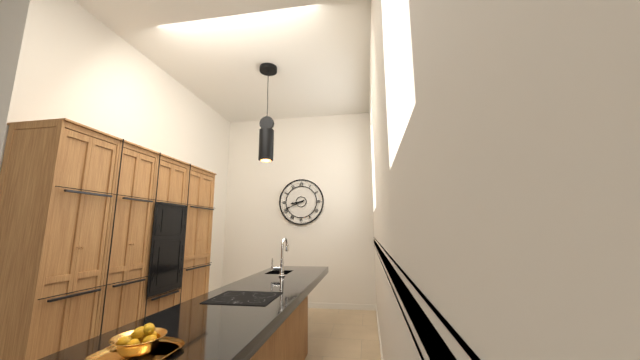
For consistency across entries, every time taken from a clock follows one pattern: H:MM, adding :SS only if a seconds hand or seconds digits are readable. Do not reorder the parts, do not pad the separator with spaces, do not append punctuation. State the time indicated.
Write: 8:41
